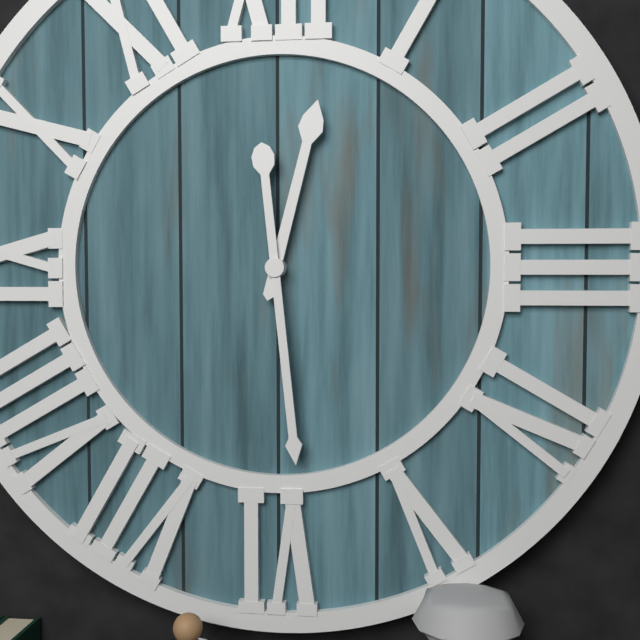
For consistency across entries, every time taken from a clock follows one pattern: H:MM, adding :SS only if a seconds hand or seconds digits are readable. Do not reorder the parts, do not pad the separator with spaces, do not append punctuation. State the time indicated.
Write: 12:29
